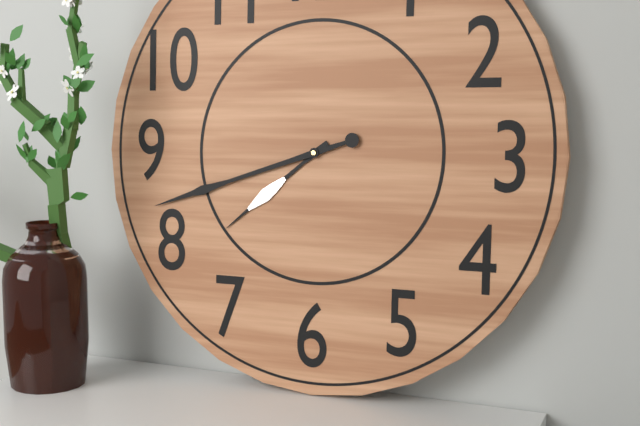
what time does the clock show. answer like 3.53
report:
7.42
